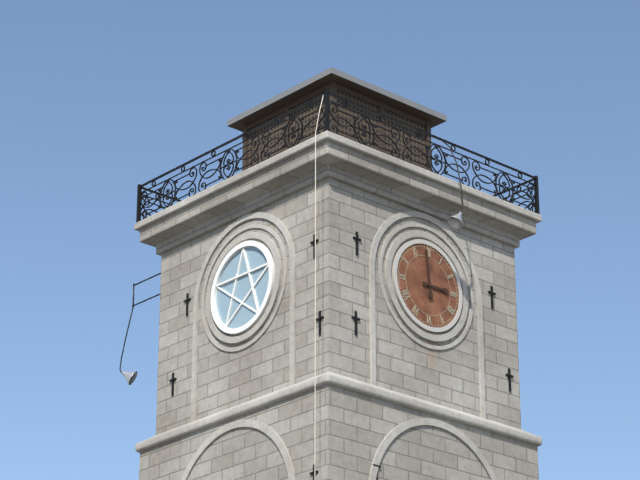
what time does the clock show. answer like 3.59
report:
2.59
